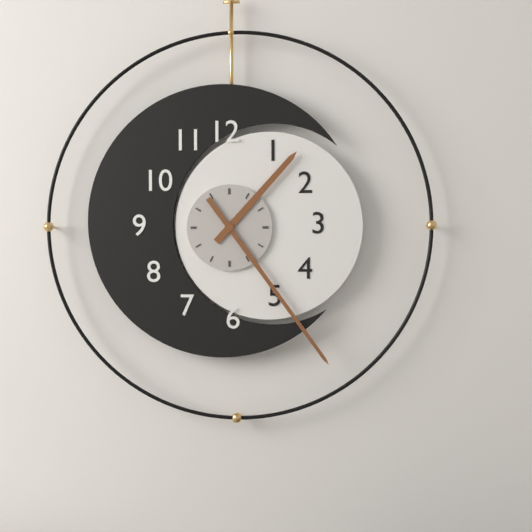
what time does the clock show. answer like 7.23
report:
1.24
